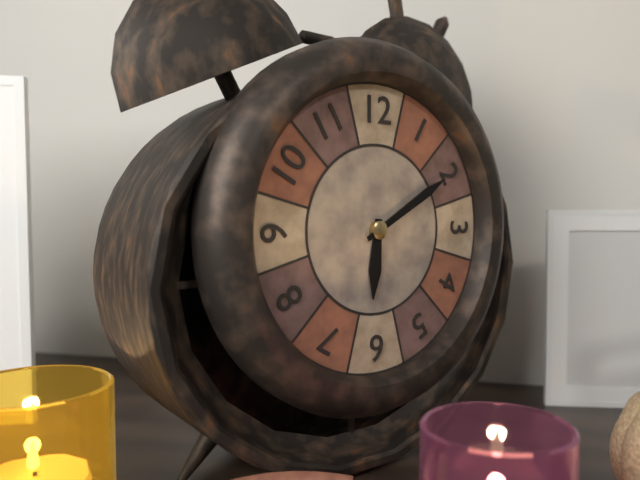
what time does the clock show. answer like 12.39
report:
6.10
